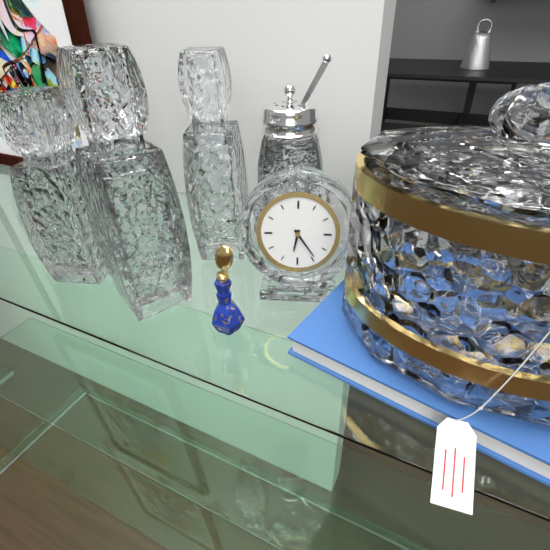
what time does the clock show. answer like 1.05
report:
6.24
